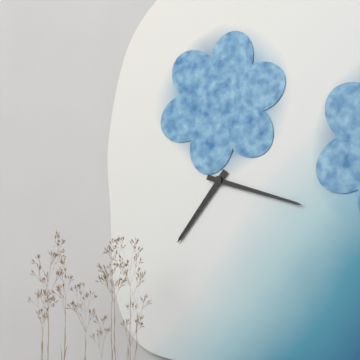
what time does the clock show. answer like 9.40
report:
7.18
